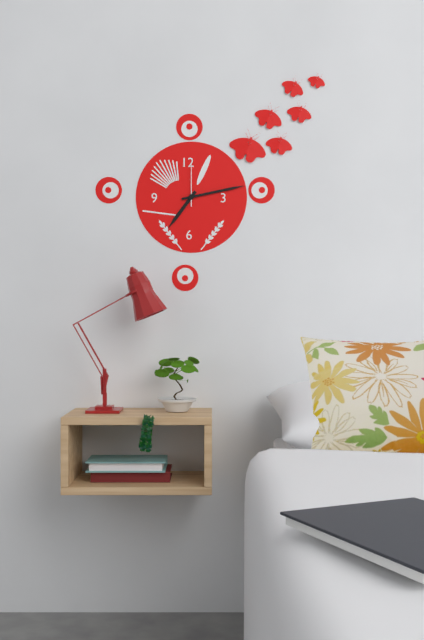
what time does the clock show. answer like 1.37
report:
7.13
